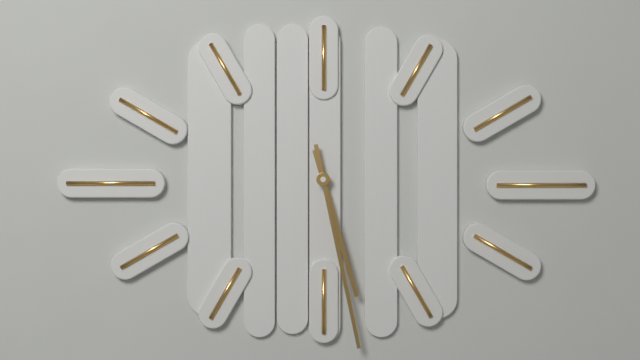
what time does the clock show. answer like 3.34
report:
5.28
